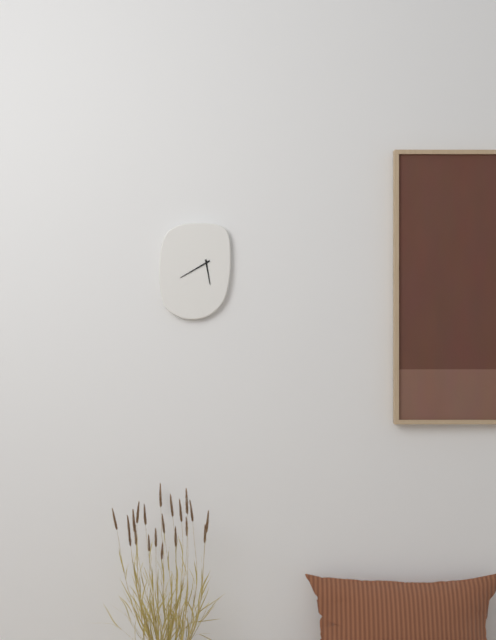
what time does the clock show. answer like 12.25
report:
5.40
